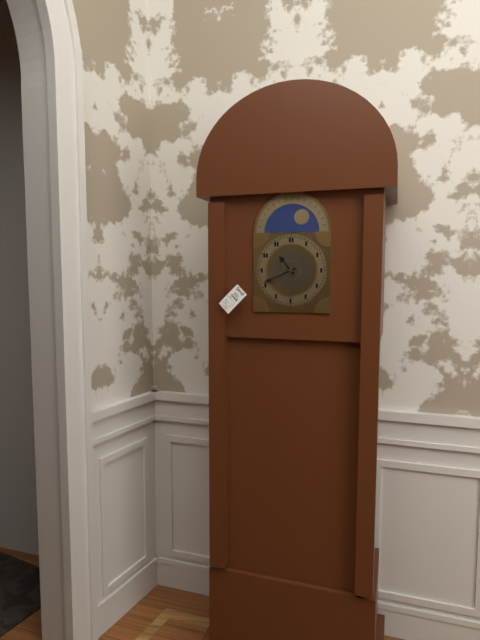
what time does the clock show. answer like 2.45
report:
10.41
